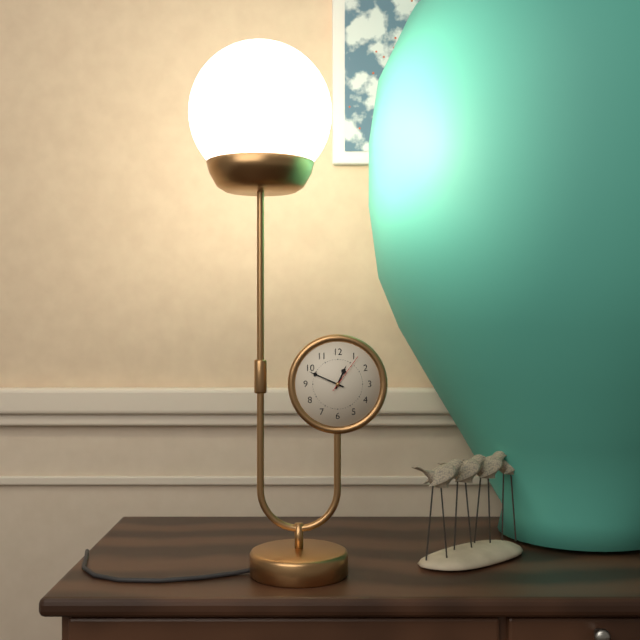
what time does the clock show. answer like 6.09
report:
12.49
